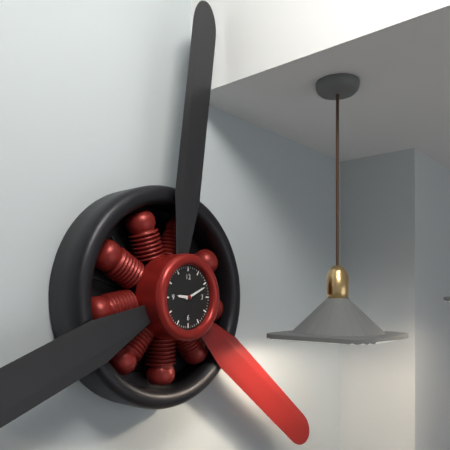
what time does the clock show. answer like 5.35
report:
9.11
